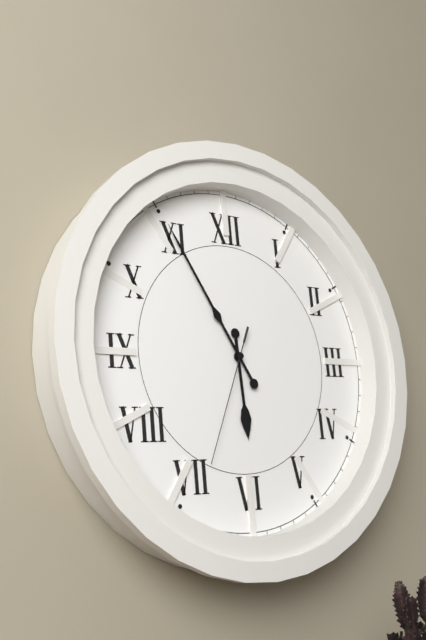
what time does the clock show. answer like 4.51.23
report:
5.55.34
